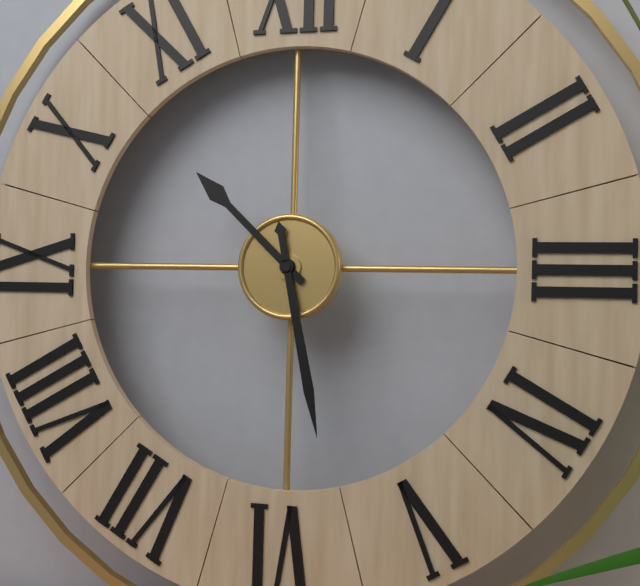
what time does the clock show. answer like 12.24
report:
10.28
